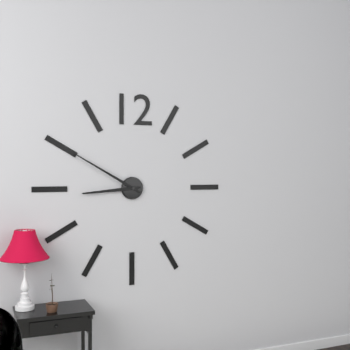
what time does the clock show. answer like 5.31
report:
8.50
